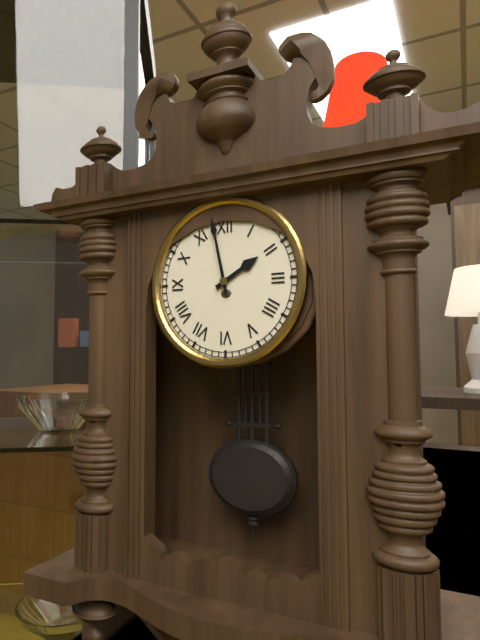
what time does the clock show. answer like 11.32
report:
1.58
